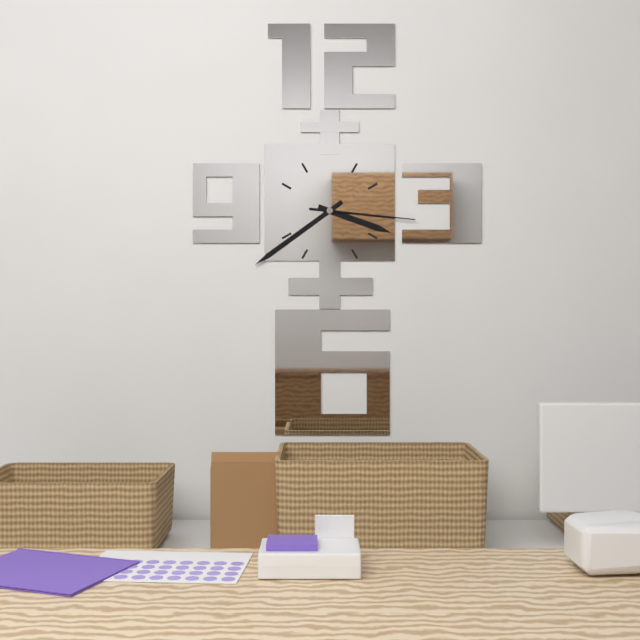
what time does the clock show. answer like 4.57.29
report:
3.39.16
